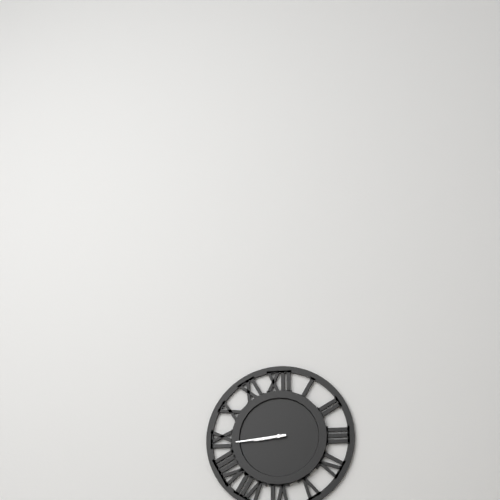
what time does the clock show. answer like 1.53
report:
8.44
